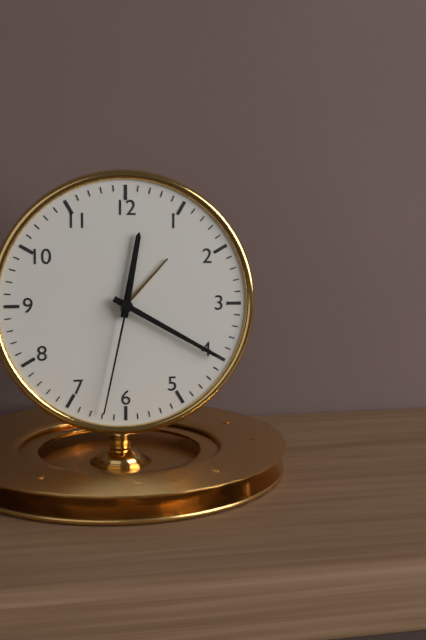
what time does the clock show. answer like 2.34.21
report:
12.20.32
